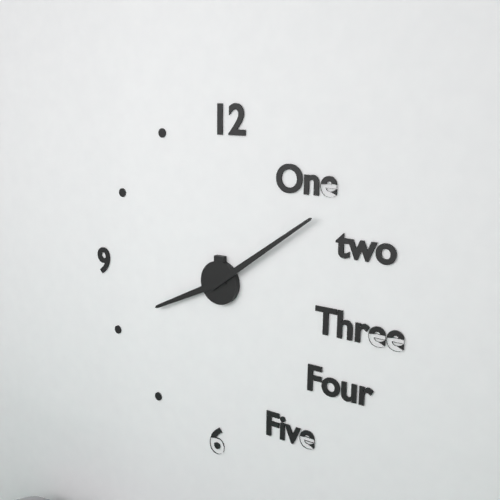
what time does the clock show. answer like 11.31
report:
8.09
